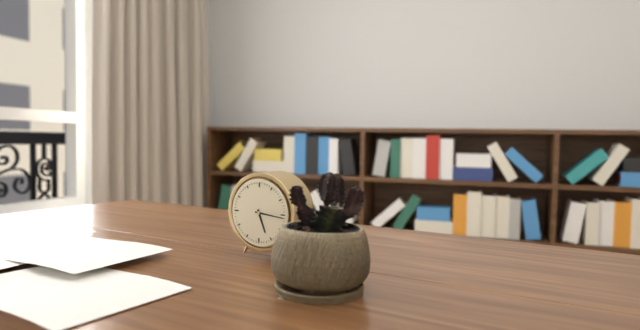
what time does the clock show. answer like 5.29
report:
5.16
